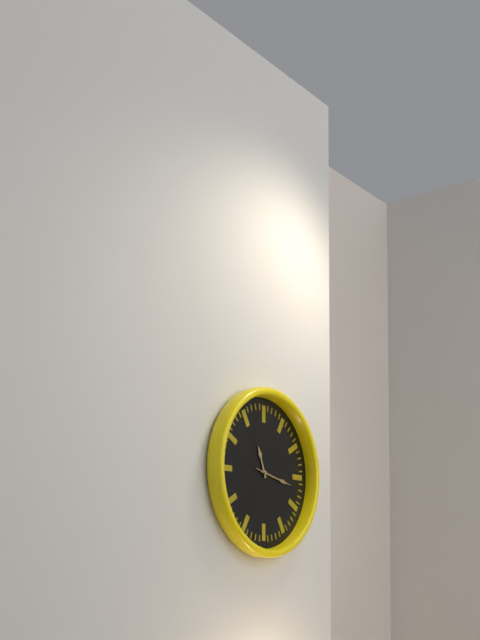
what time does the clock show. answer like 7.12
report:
11.17
